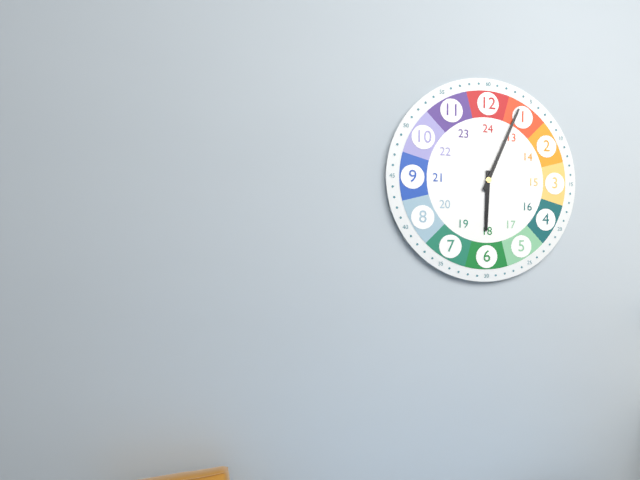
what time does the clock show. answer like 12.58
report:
6.04
